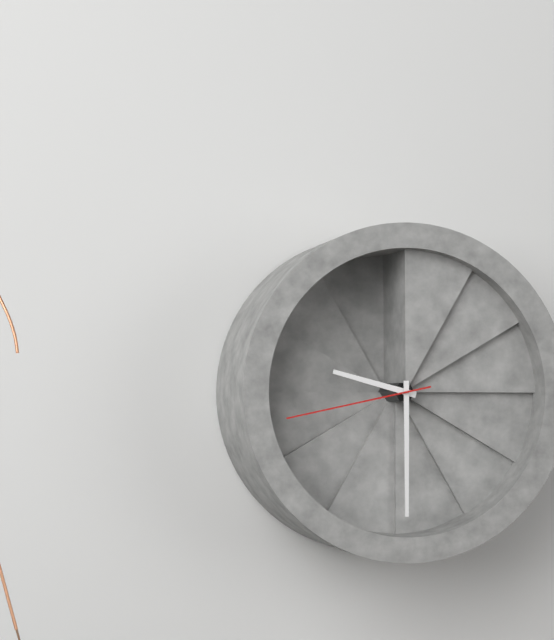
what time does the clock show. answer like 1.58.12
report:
9.30.43
